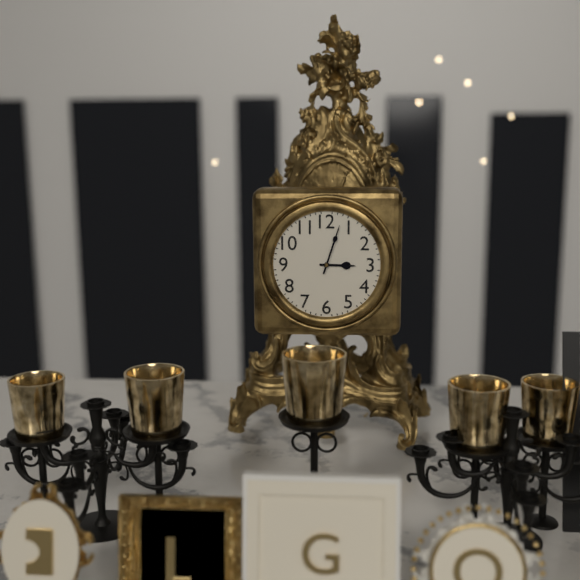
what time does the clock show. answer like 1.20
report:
3.03
